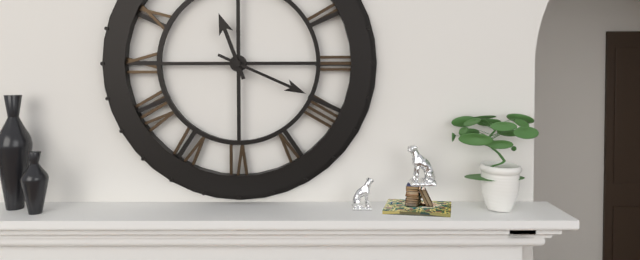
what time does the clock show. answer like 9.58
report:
11.19
